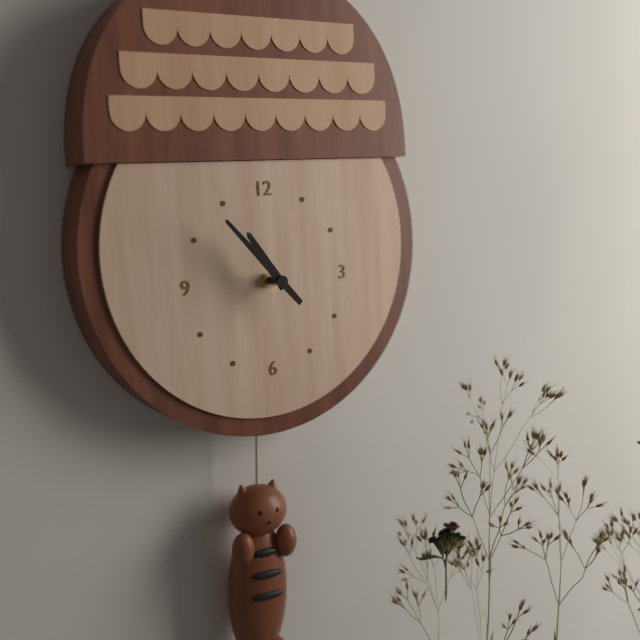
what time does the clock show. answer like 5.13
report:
10.53
